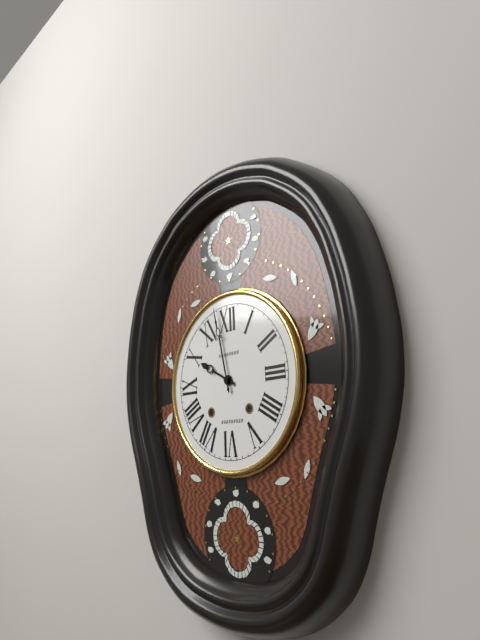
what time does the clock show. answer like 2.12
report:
9.58
